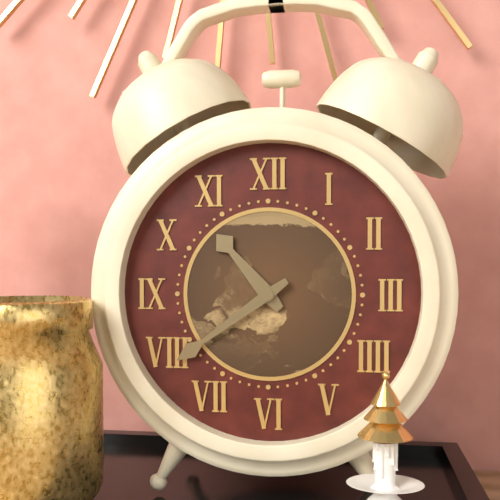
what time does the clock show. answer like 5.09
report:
10.39
